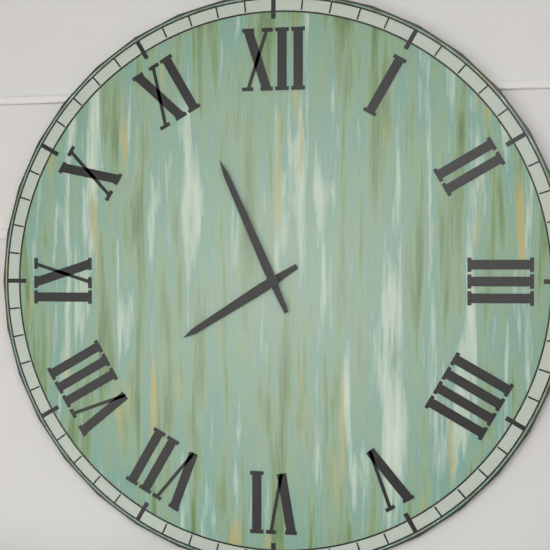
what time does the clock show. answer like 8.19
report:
7.56
